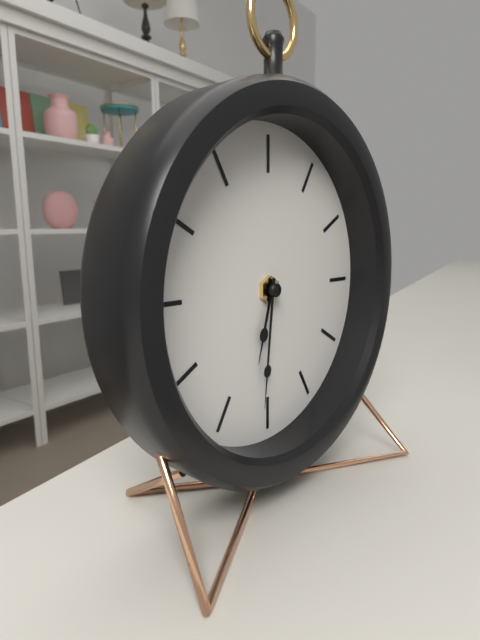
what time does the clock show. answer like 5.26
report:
6.31
